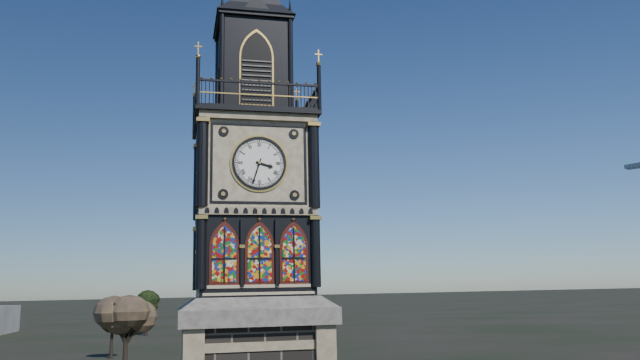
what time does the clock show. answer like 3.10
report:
3.33
